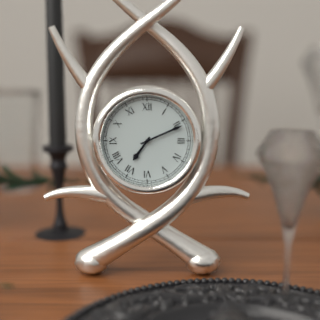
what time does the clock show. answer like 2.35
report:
7.11
